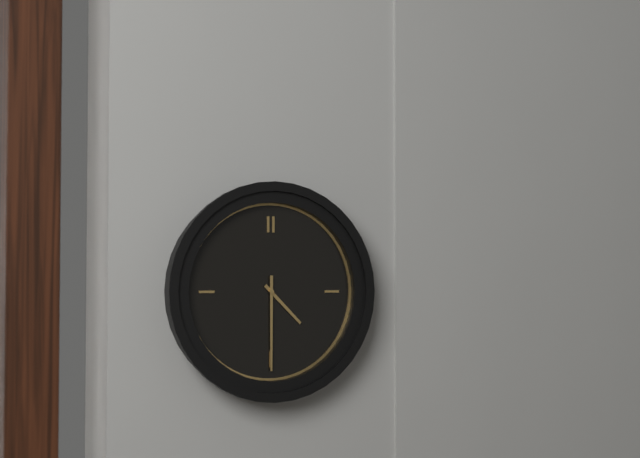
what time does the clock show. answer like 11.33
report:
4.30
